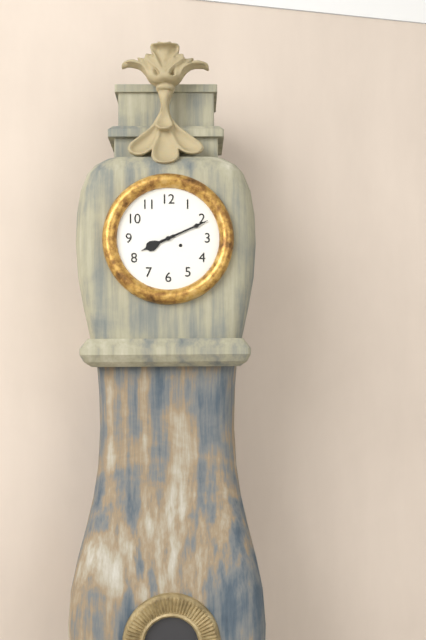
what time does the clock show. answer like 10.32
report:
8.11
